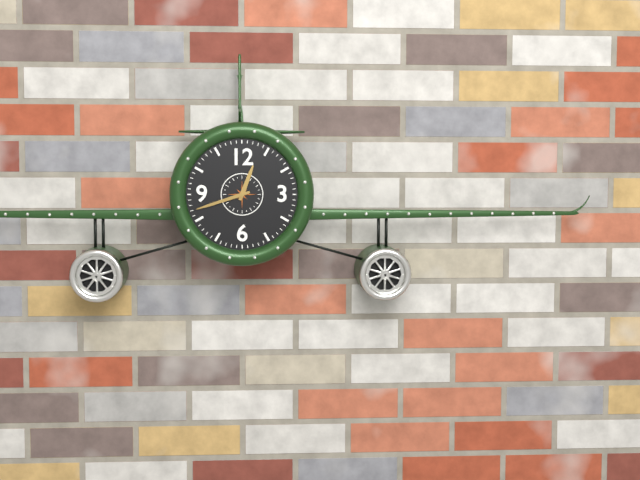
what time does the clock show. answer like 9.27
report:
12.42
